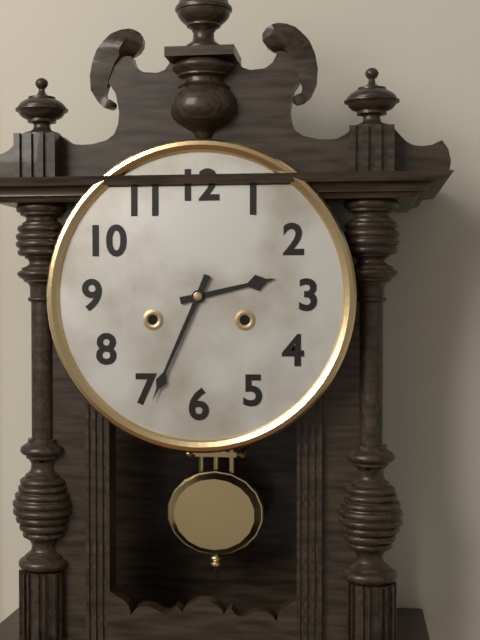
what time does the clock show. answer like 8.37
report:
2.34
